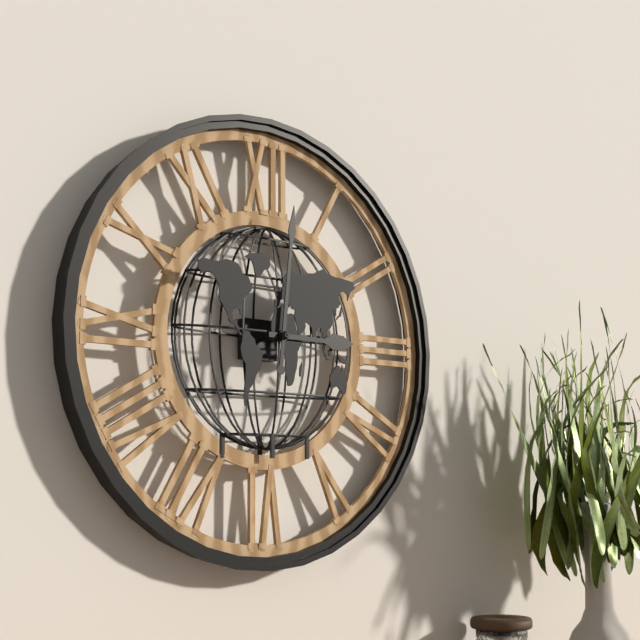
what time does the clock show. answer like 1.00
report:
3.01
